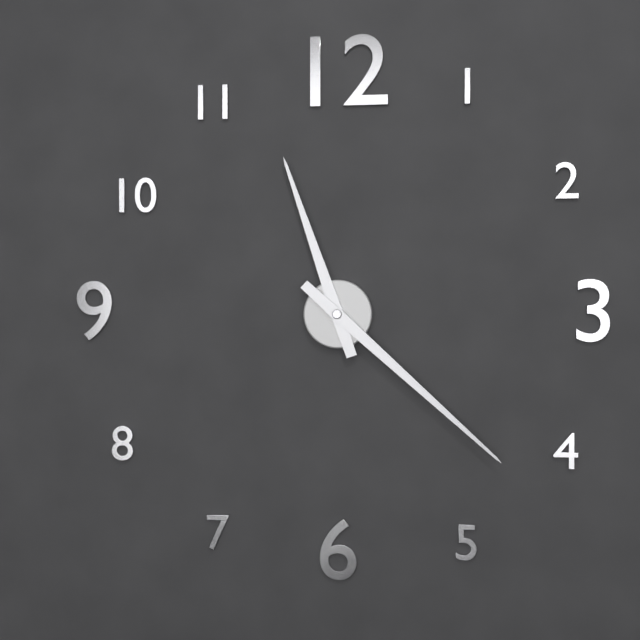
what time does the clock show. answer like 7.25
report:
11.22
